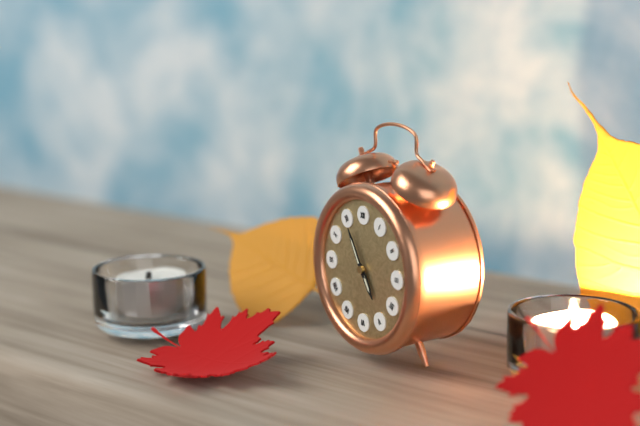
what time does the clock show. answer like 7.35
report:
4.55
